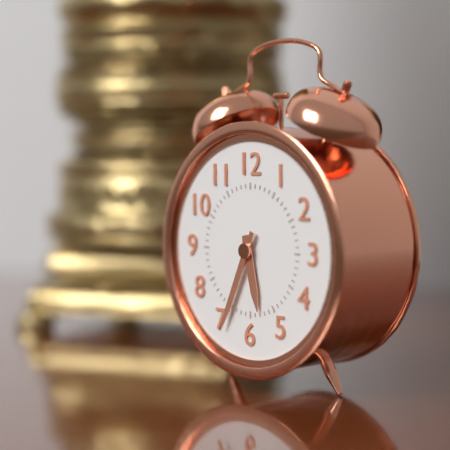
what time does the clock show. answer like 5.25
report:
5.34
